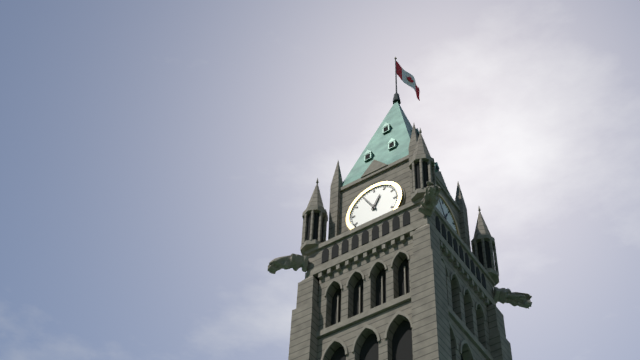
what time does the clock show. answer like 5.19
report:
12.55
